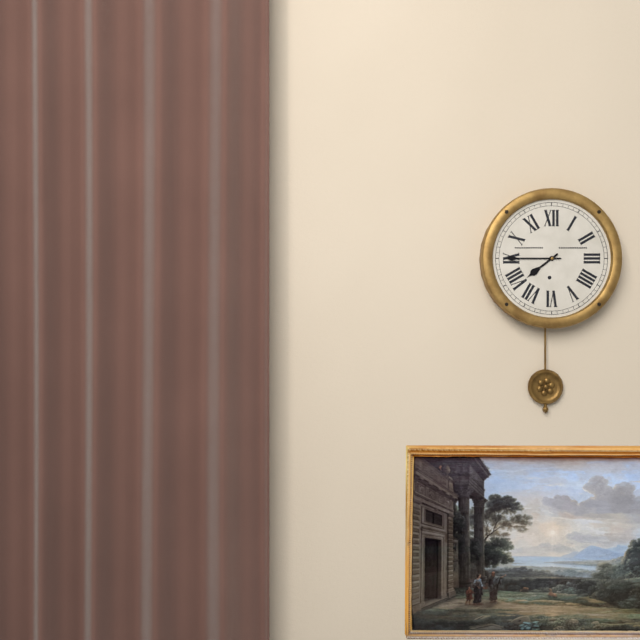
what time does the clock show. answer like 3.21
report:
7.45
